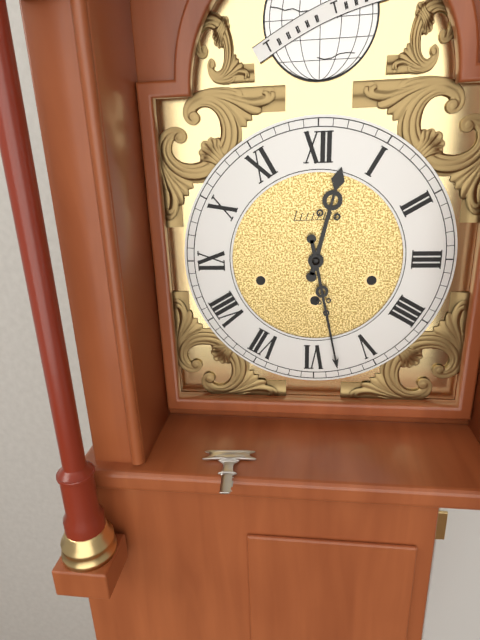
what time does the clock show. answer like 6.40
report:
12.28
